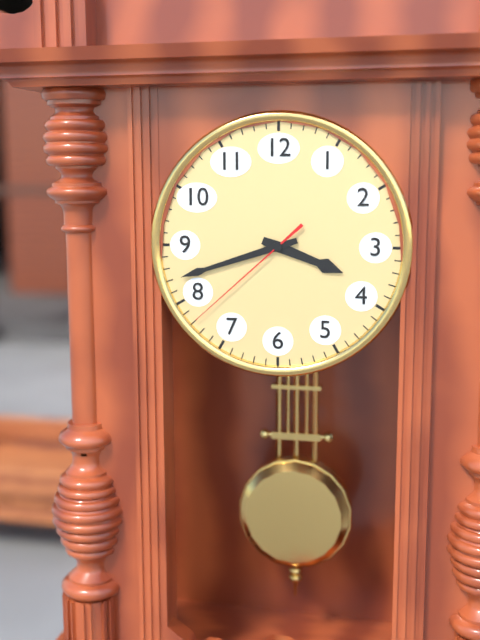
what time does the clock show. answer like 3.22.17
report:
3.42.38
